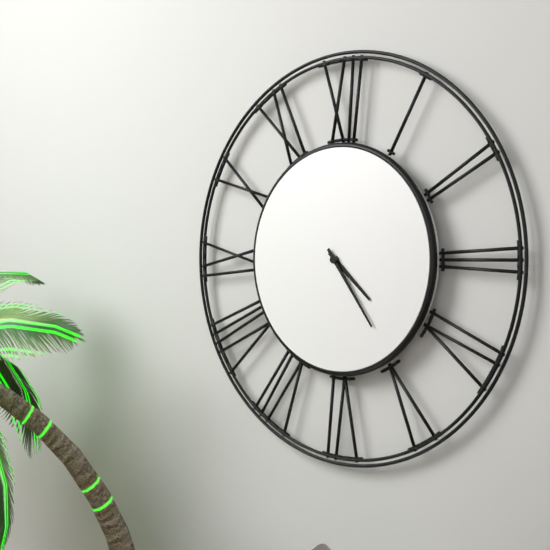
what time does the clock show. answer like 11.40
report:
4.24
